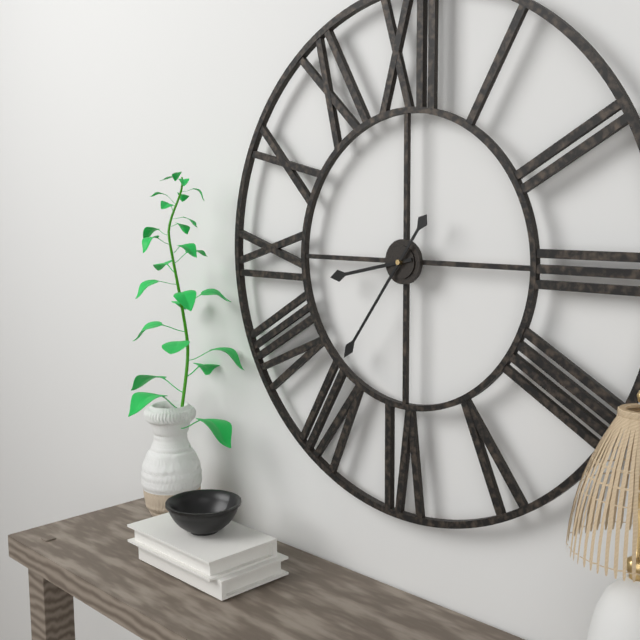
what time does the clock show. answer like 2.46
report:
8.36
